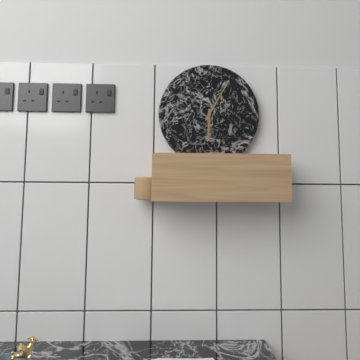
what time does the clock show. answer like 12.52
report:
6.05
